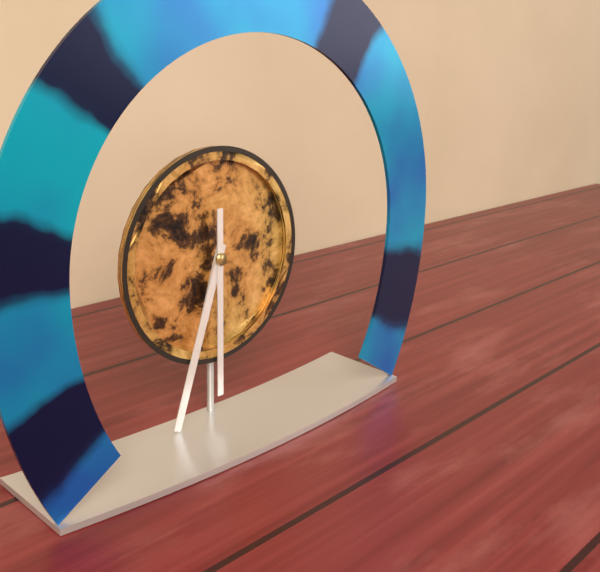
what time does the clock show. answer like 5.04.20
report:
6.33.30
